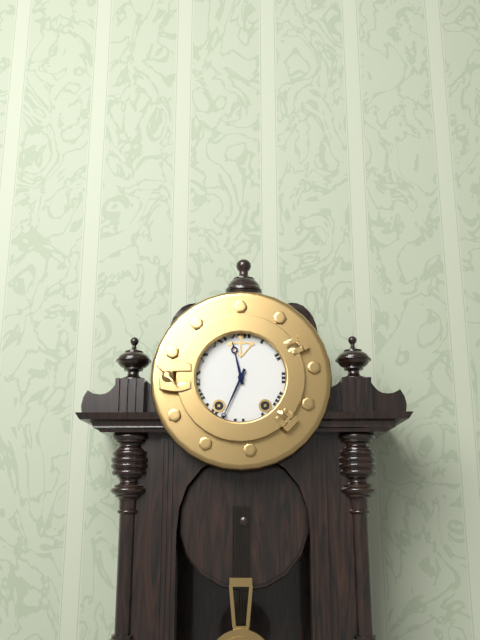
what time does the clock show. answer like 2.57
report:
11.34
